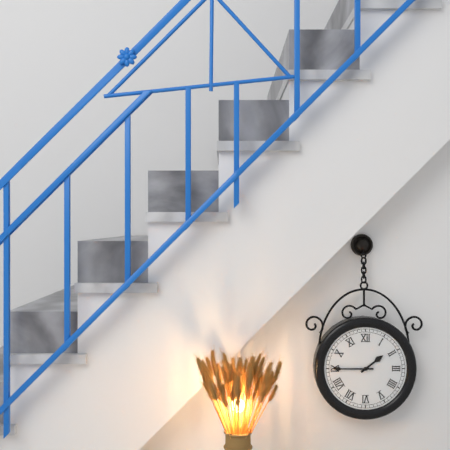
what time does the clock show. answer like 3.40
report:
1.45
